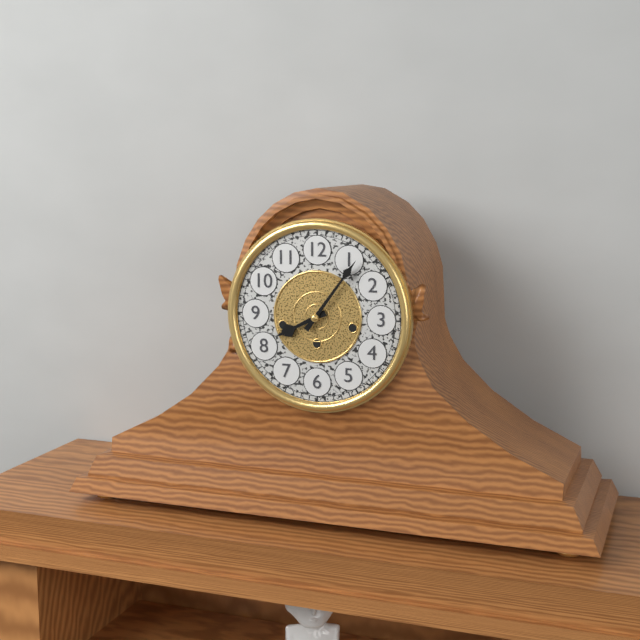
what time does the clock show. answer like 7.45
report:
8.06
